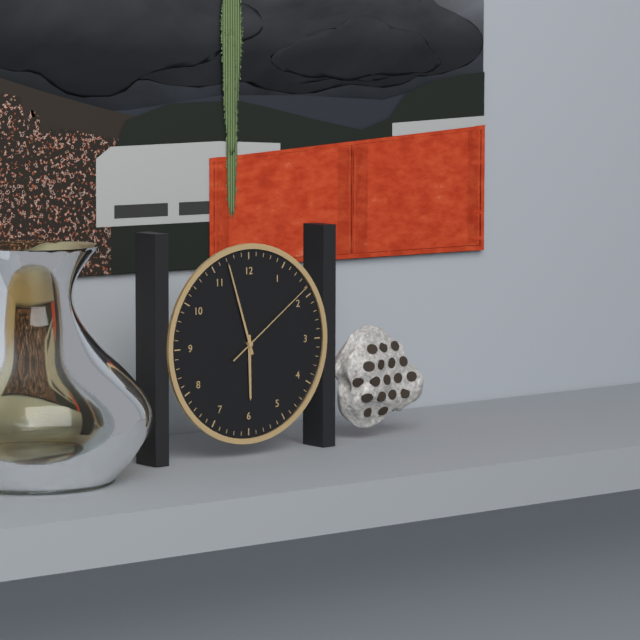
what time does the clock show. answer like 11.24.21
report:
5.57.09
